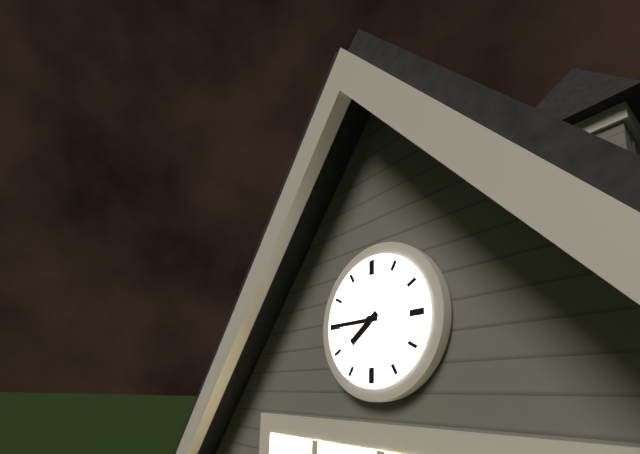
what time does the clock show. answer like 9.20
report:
7.45
